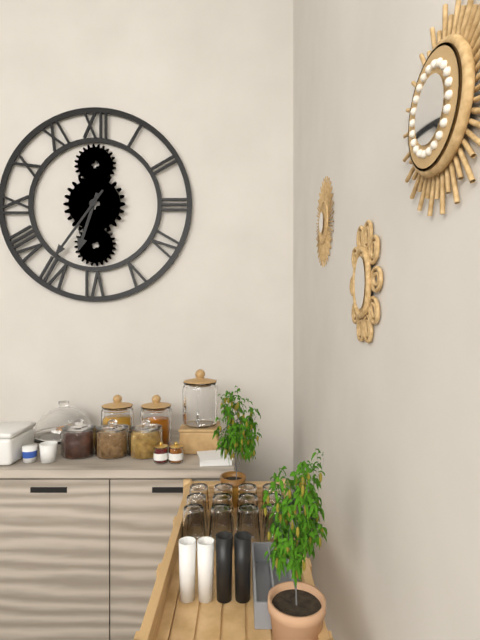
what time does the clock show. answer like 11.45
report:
6.36
